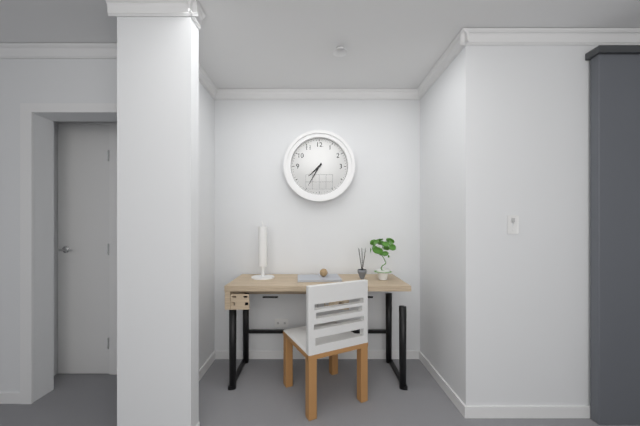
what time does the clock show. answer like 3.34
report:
7.35
